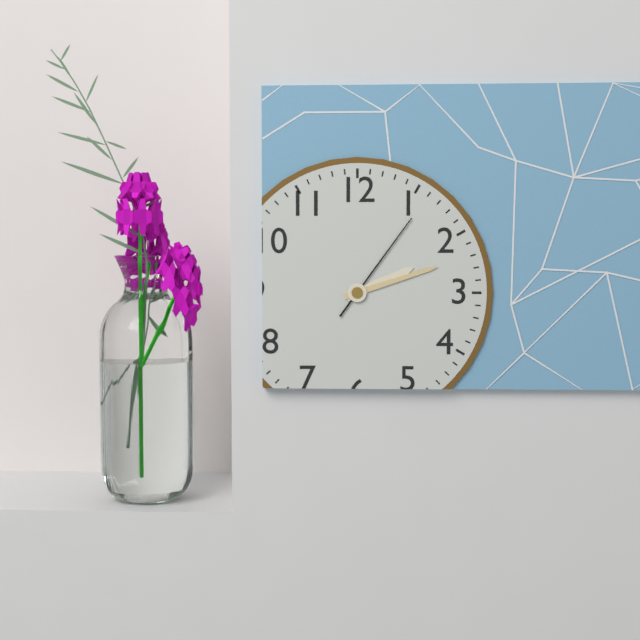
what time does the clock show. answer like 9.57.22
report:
2.12.06
